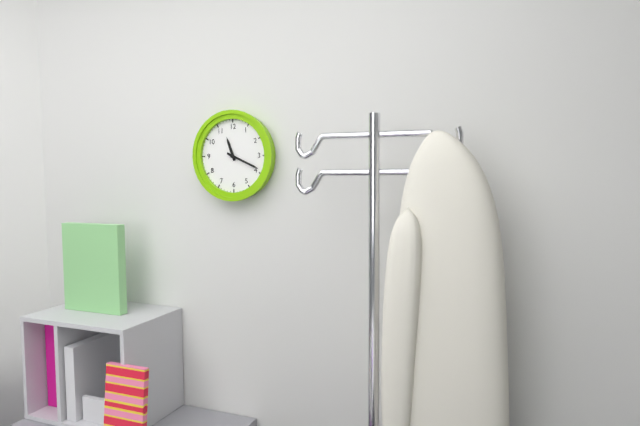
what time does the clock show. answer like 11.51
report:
11.19
